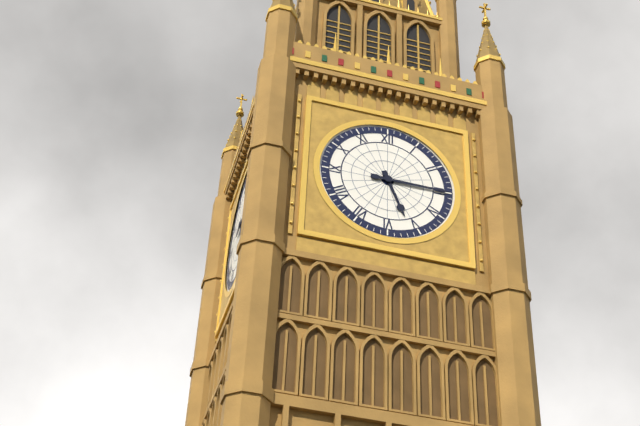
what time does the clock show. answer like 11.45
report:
5.15
